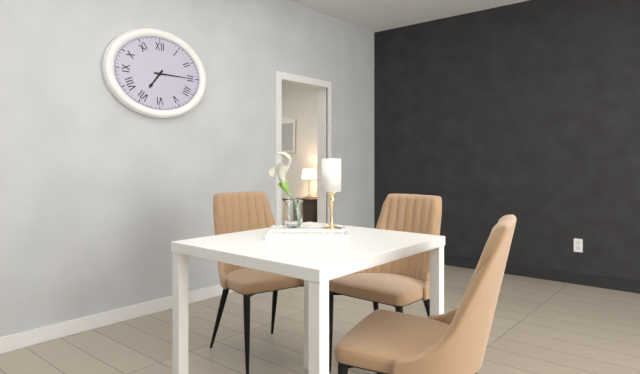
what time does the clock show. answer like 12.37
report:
7.15
